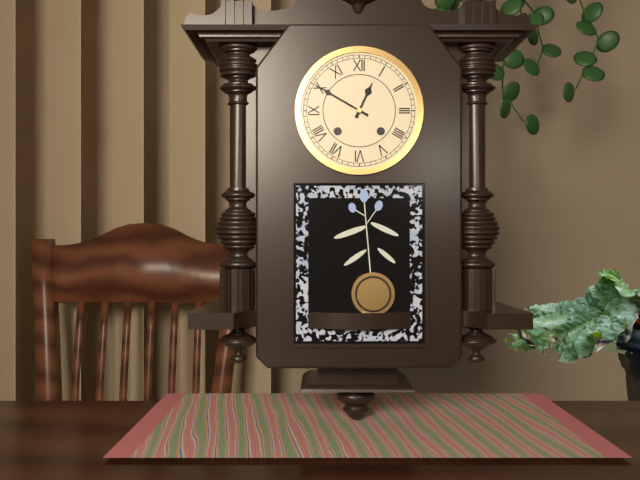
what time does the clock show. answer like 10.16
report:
12.50
